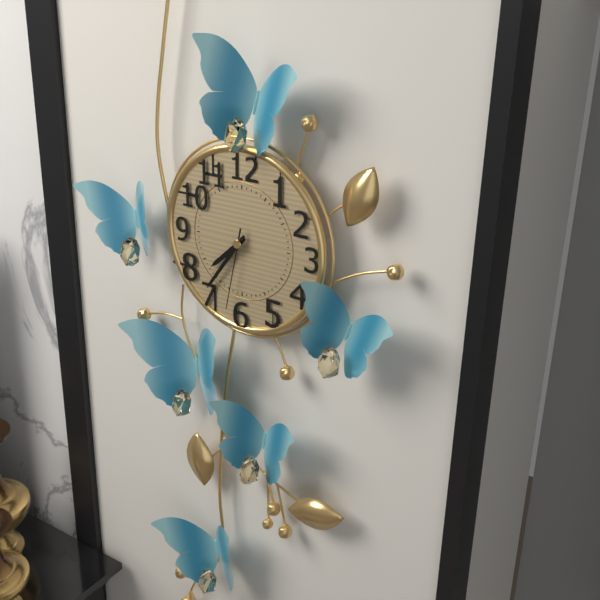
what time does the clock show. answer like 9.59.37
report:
7.36.32
